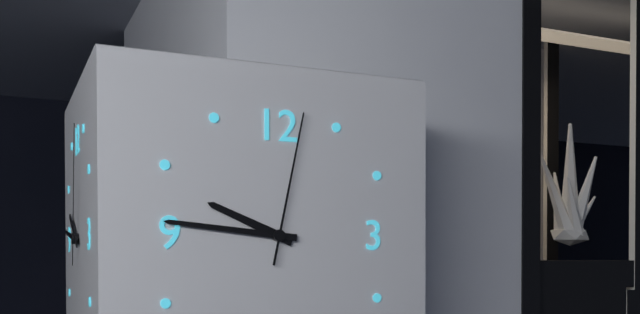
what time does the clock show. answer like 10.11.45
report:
9.46.02
